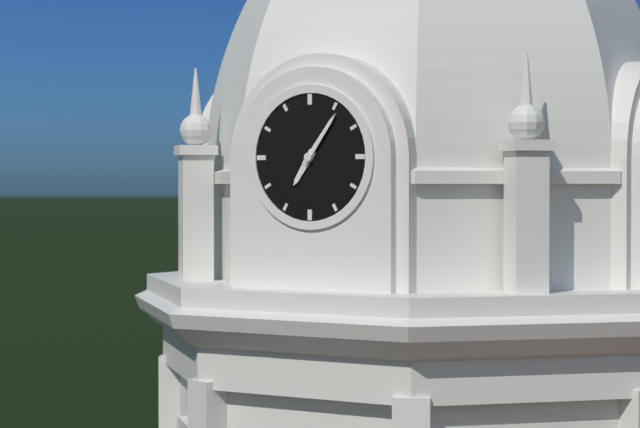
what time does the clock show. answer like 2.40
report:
7.06
